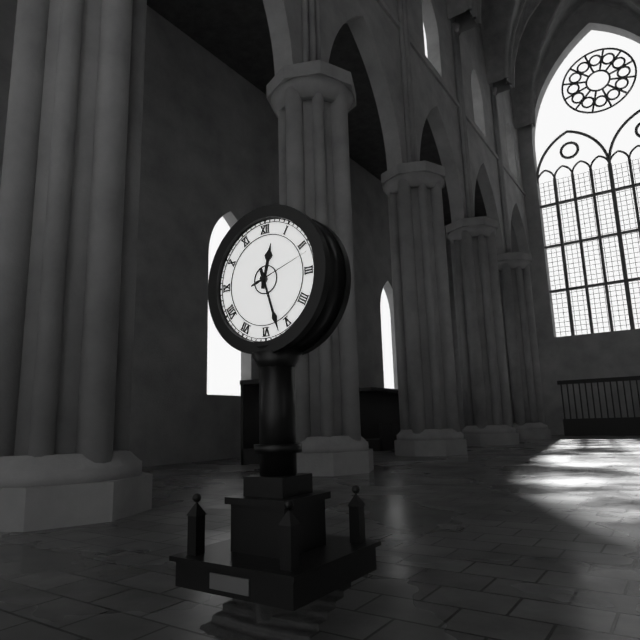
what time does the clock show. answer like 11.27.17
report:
12.27.12
